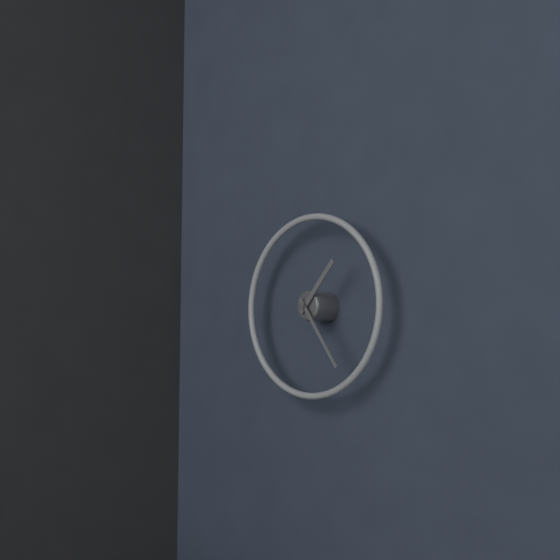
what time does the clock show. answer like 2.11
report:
1.24
